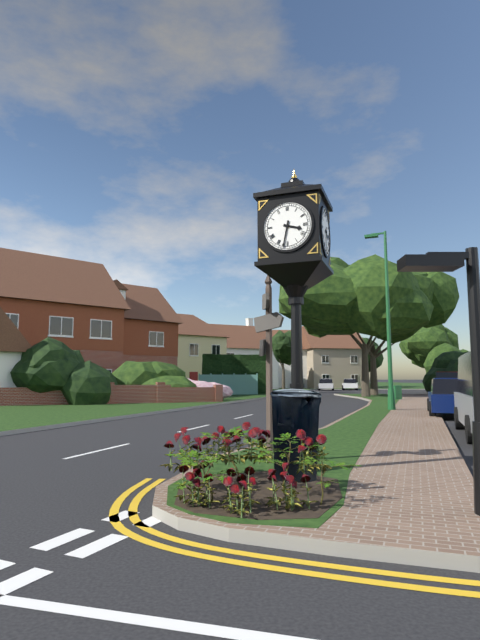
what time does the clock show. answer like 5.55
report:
3.32
